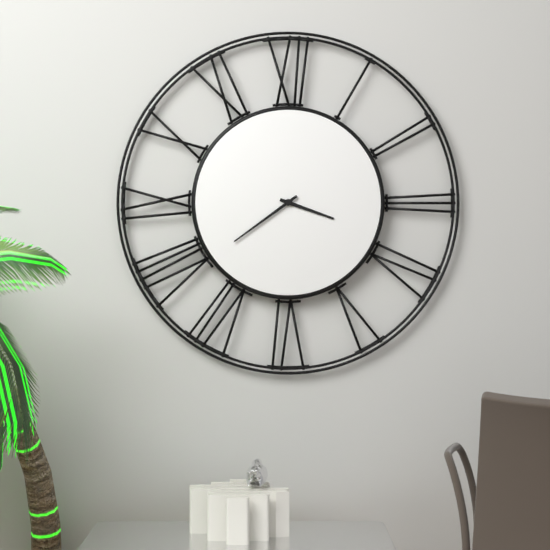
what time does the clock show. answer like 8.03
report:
3.39
